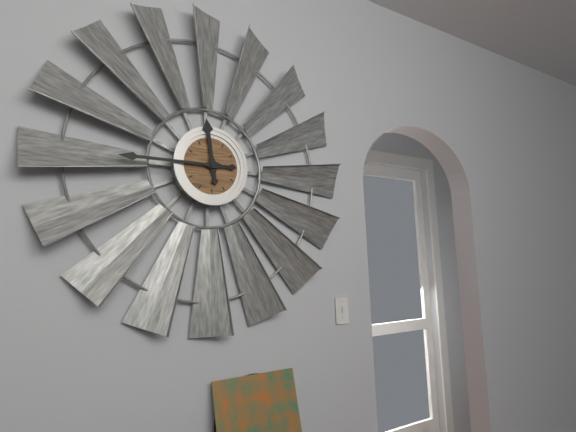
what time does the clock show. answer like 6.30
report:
11.45
